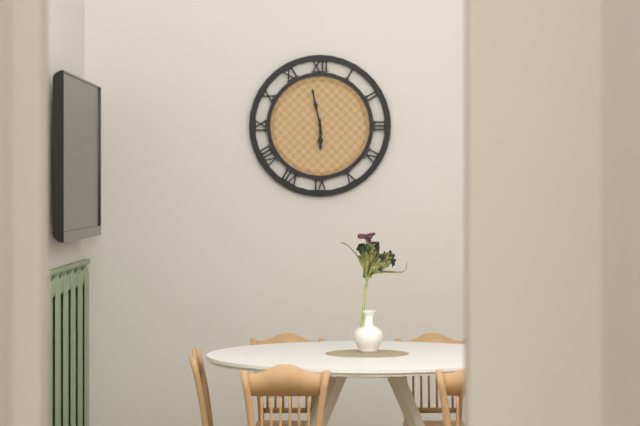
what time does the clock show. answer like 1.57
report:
5.58
